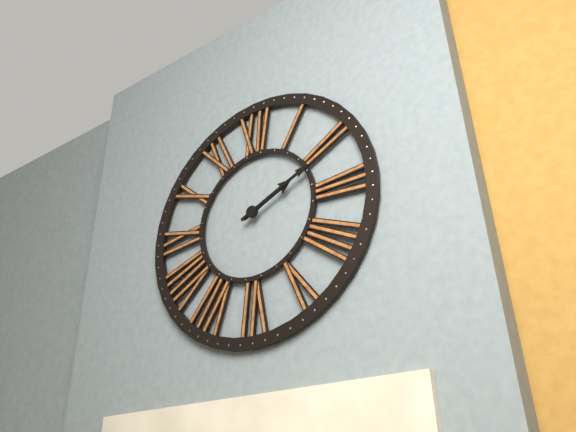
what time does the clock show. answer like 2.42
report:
2.11
